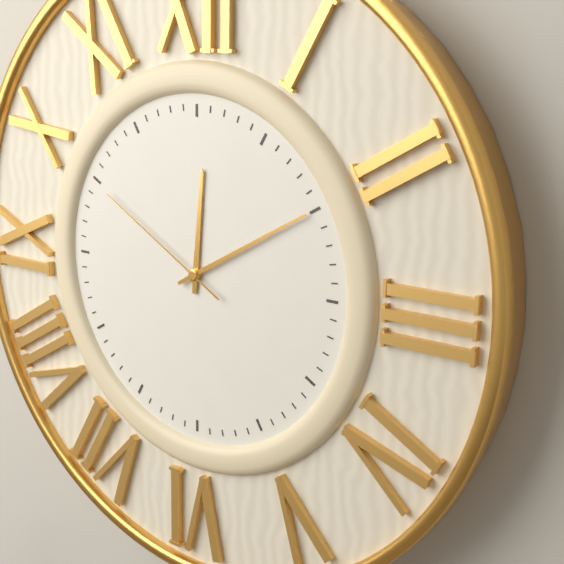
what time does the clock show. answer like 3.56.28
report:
12.10.50
